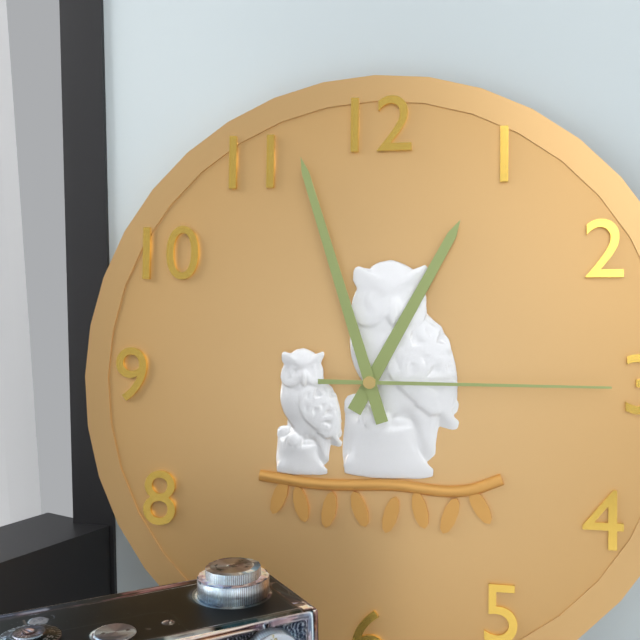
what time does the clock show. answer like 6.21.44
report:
12.57.15
